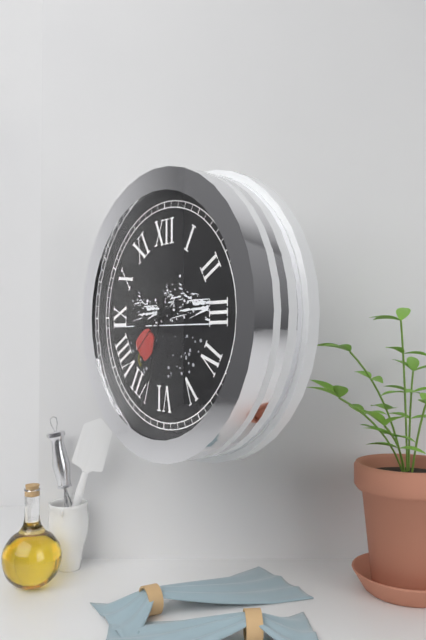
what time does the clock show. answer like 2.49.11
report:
8.33.38
